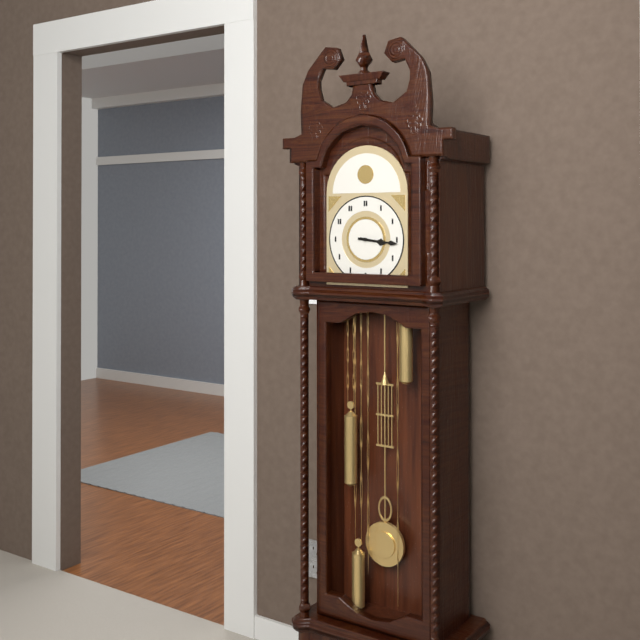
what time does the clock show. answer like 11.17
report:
3.16
